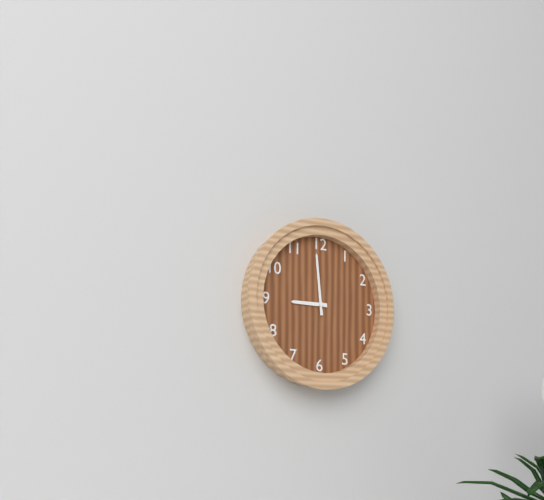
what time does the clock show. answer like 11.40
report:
8.59
